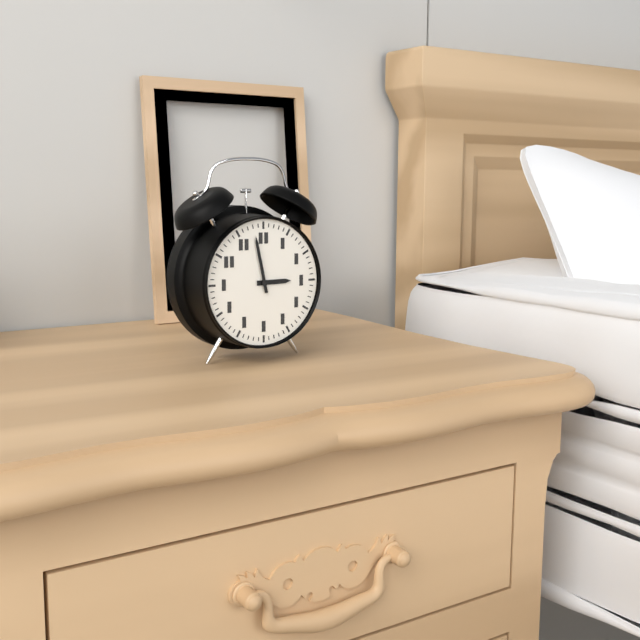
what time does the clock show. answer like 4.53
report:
2.58
